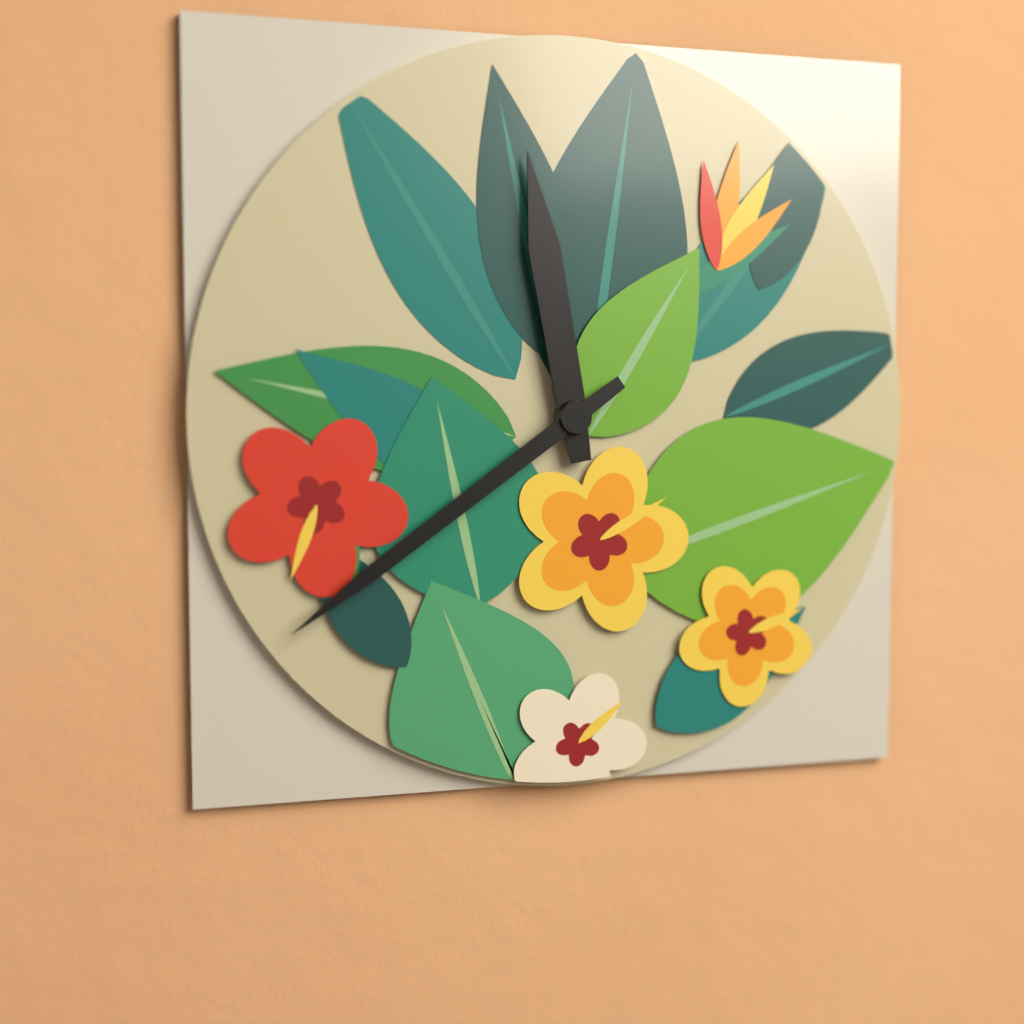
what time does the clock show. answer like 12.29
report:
11.39
